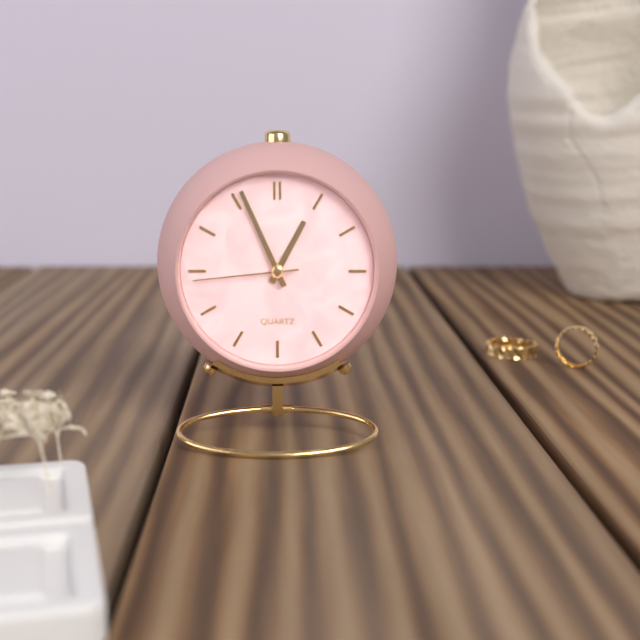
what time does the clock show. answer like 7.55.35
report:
12.56.44
